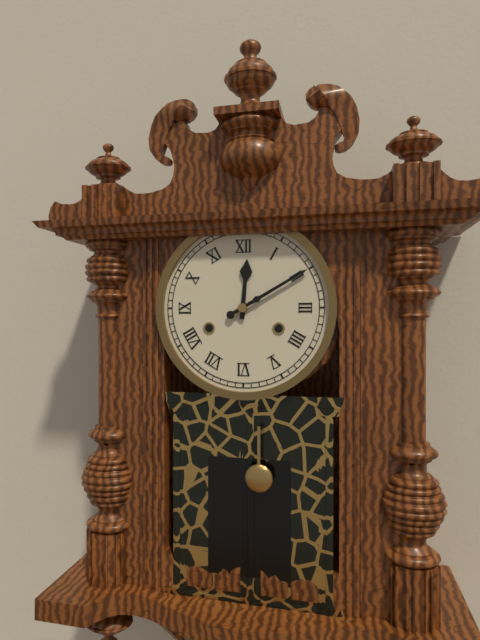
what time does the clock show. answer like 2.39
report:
12.10
